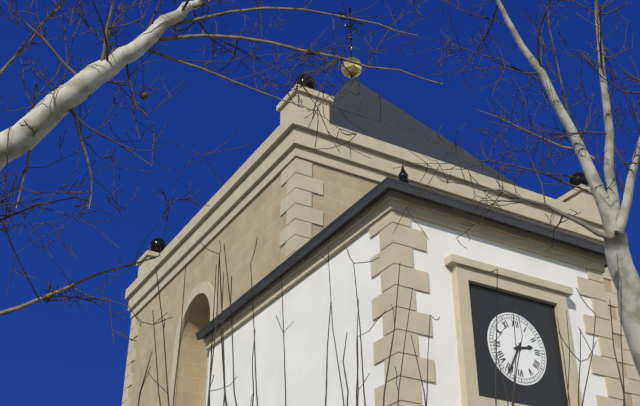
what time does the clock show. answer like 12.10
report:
2.35
